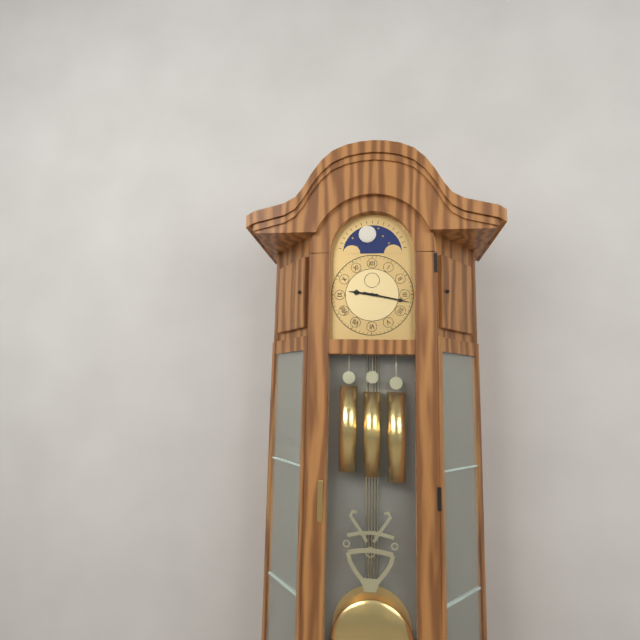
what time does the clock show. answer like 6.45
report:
9.17
